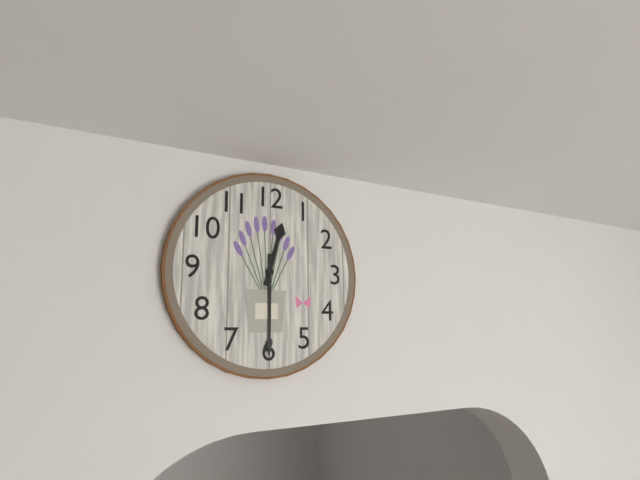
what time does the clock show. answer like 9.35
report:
12.30
